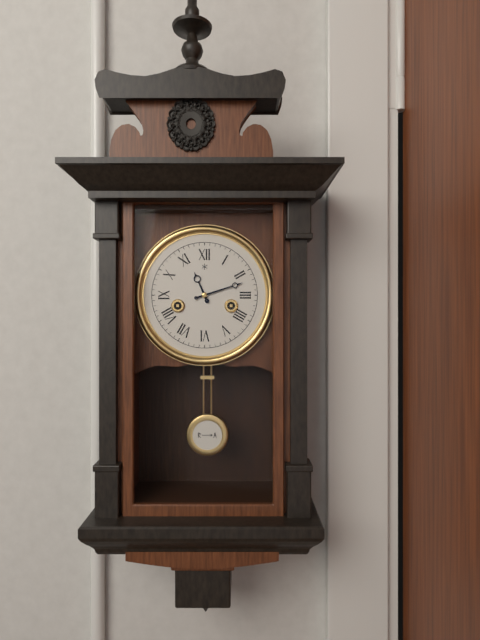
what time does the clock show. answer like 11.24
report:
11.12
